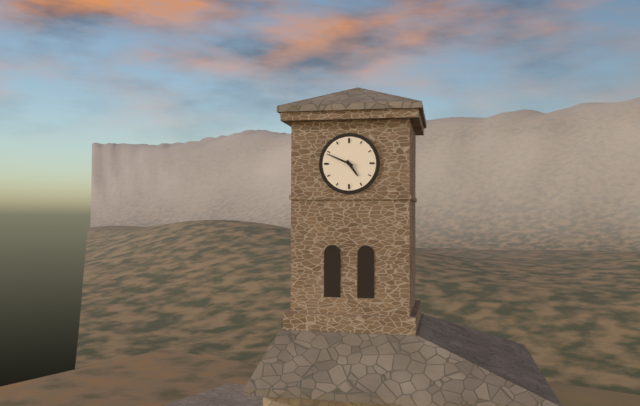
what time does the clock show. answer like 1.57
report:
4.49
